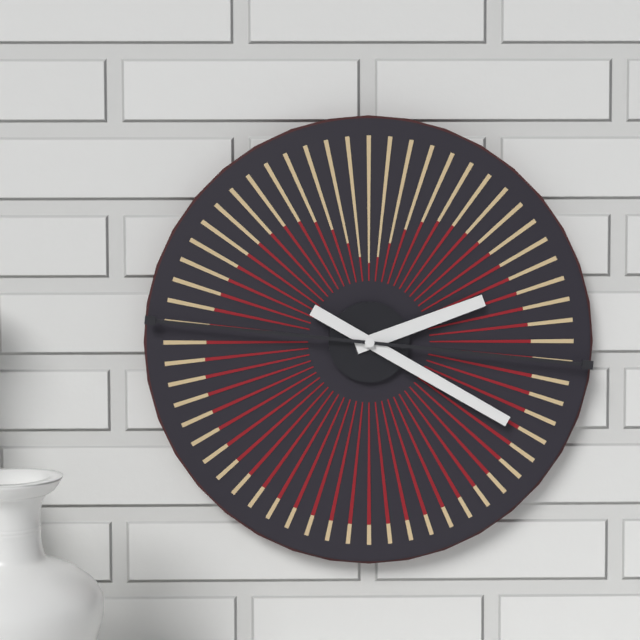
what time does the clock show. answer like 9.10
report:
2.20
